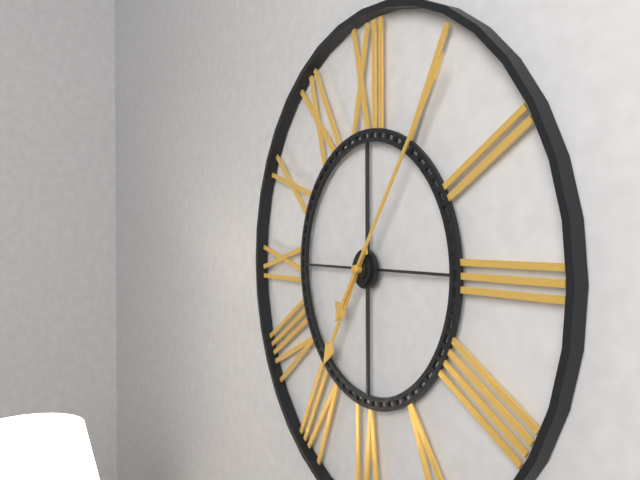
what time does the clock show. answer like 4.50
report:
7.06
